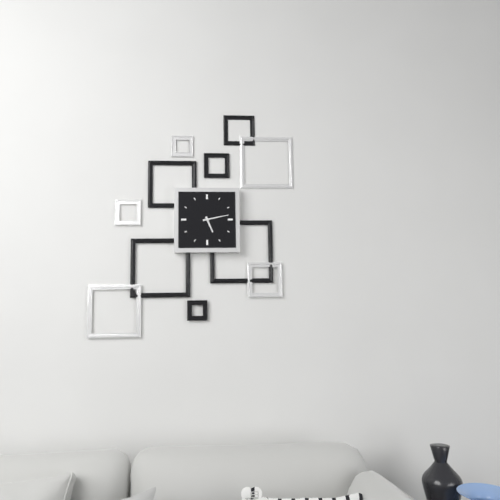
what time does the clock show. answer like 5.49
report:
5.13
